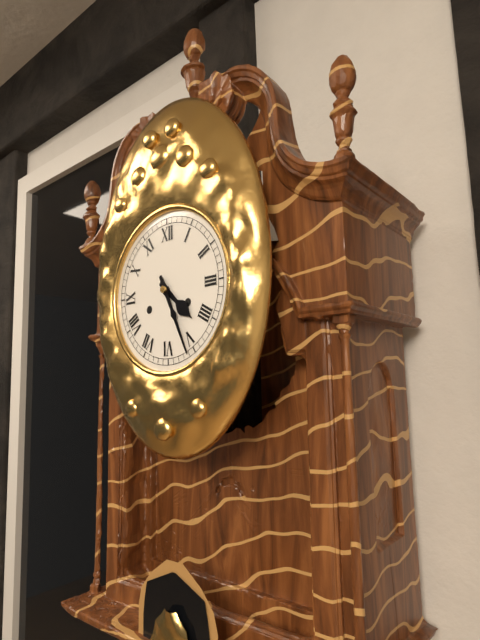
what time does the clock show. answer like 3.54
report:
4.26
